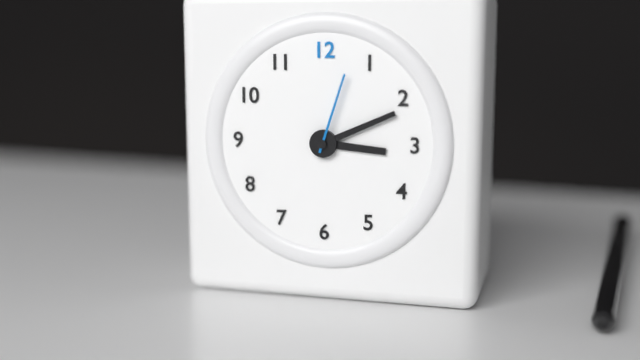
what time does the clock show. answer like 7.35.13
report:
3.11.03
